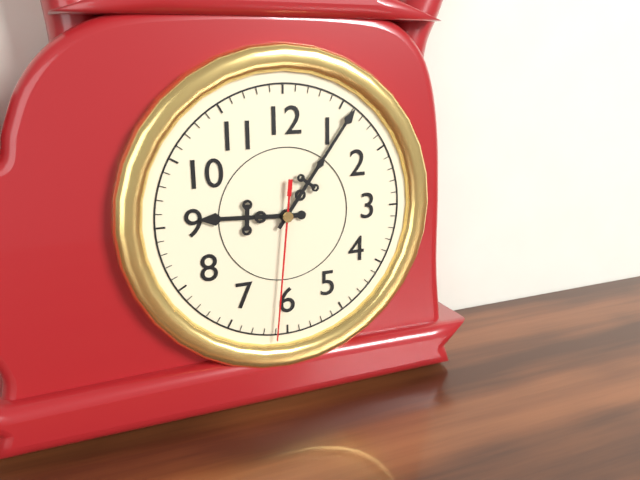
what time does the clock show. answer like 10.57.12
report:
9.06.31
